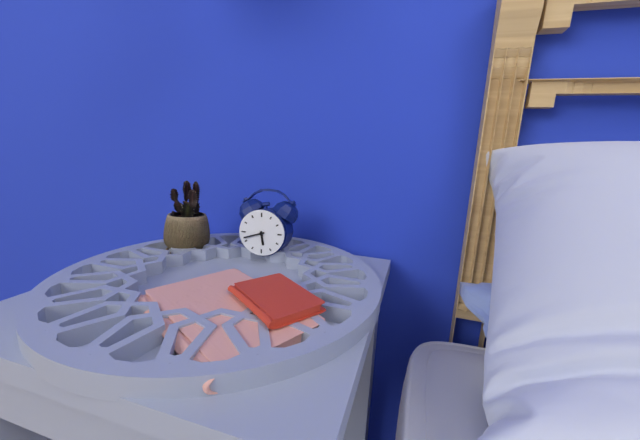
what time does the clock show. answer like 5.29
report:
5.42
